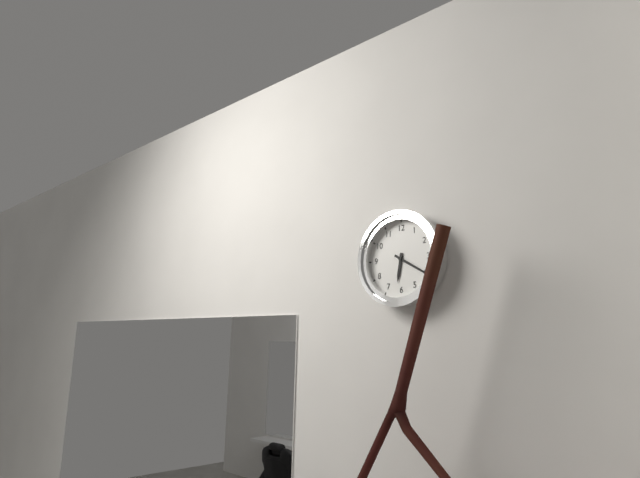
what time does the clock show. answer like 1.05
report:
6.20
